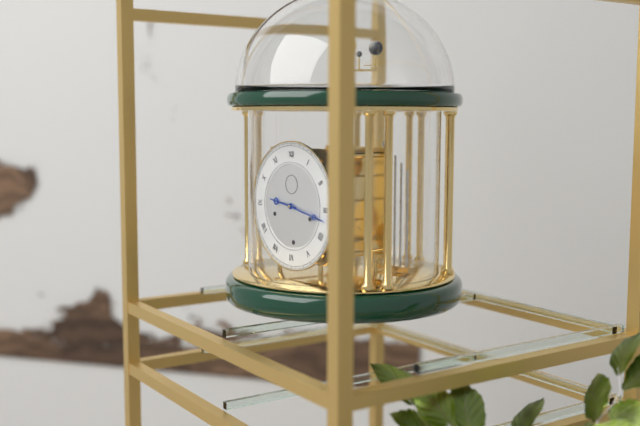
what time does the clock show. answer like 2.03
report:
9.17
